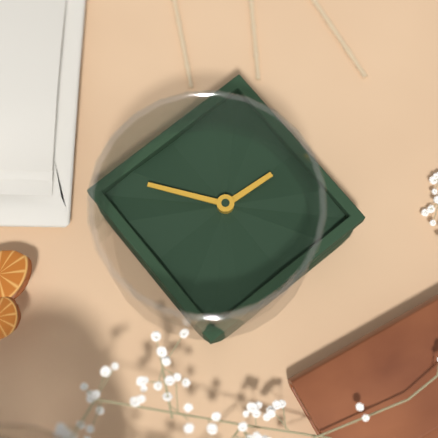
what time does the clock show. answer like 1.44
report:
6.09
